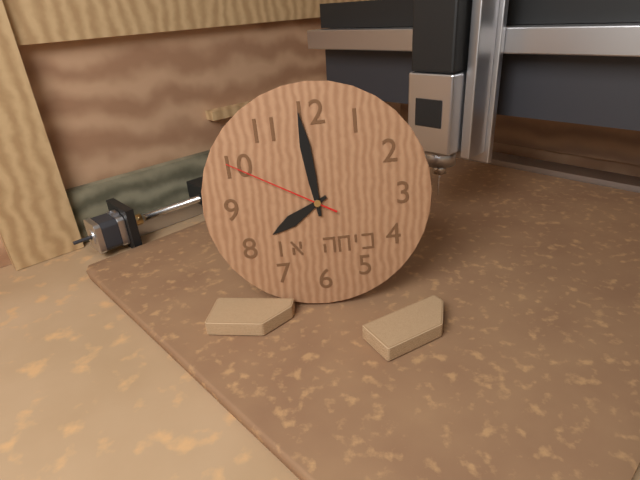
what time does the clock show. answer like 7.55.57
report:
7.59.50
